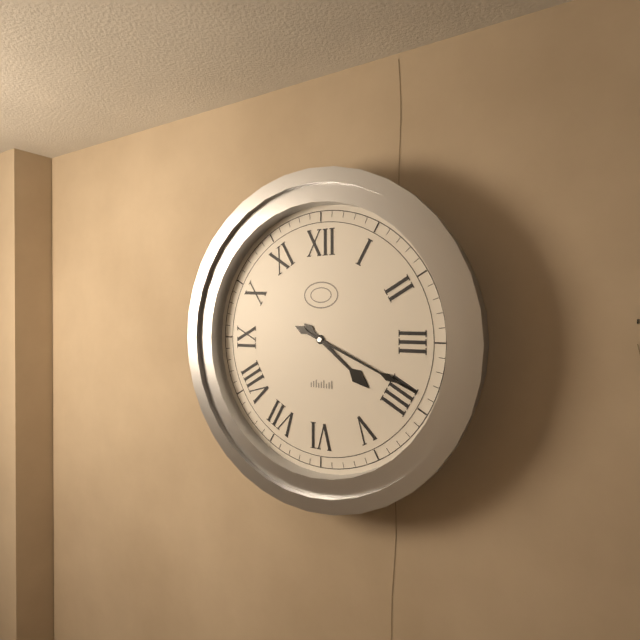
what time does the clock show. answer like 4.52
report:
4.19
